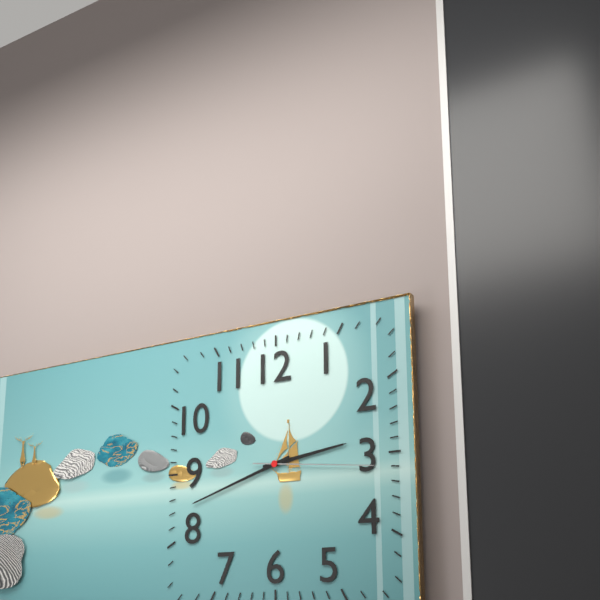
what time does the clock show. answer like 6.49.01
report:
2.42.16
